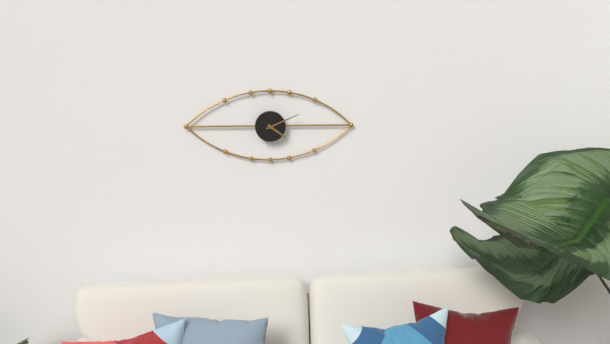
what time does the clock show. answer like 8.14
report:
4.11
